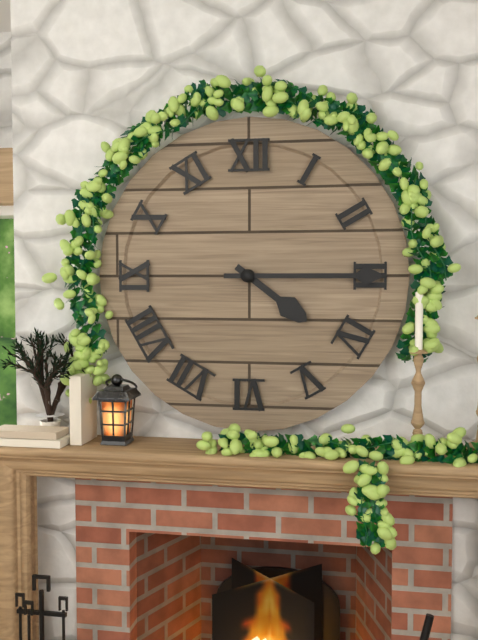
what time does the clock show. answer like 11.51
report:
4.15
